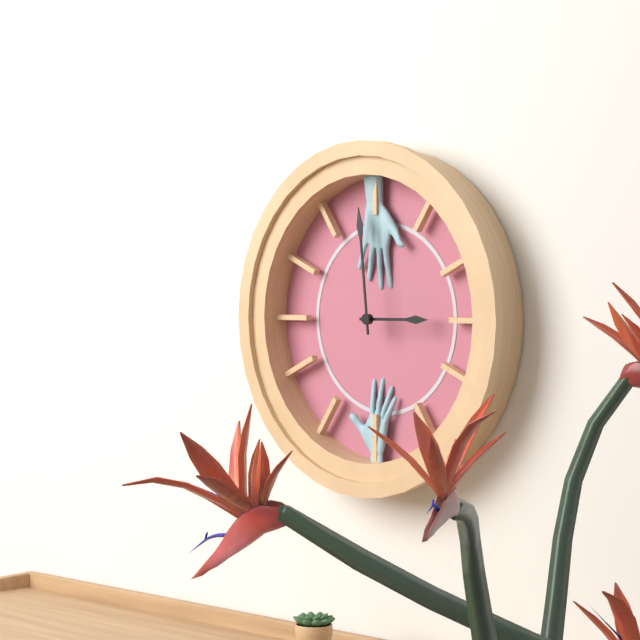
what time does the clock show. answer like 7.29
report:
2.59
